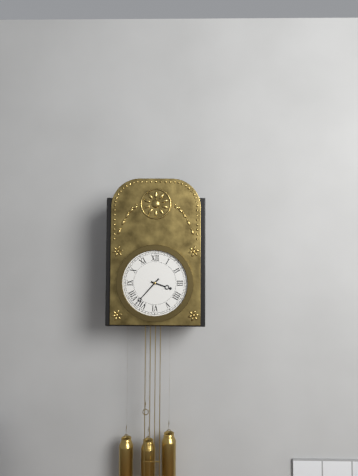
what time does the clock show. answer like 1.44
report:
3.37
